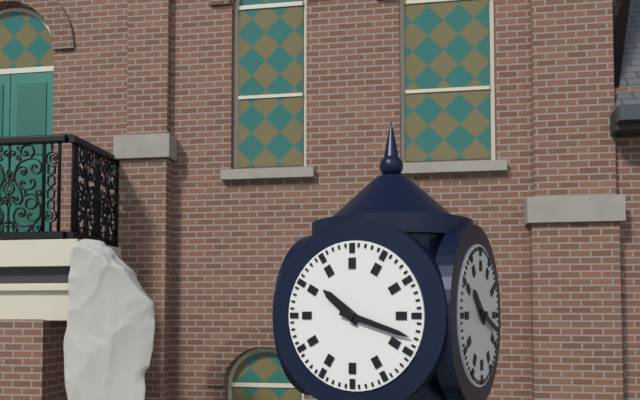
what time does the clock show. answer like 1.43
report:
10.18
